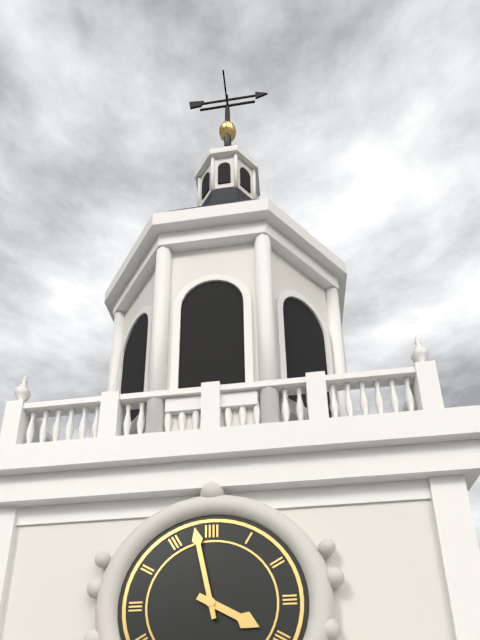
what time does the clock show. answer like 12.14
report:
3.58
